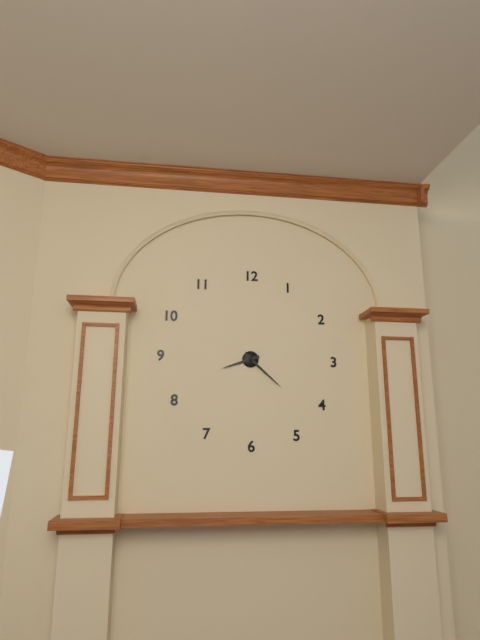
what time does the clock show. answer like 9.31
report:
8.22
